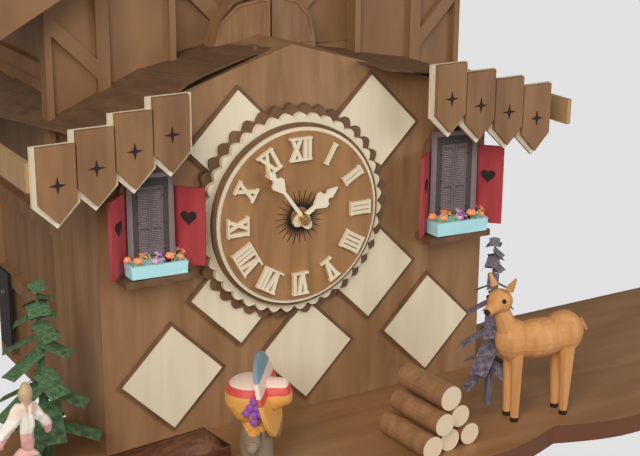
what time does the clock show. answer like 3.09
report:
1.54
